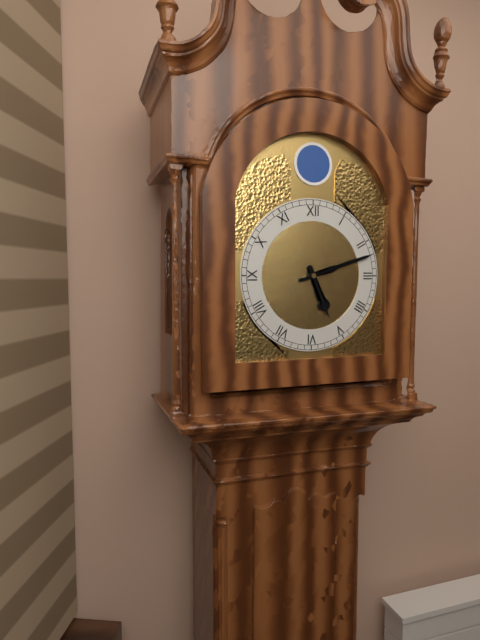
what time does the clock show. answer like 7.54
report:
5.12
